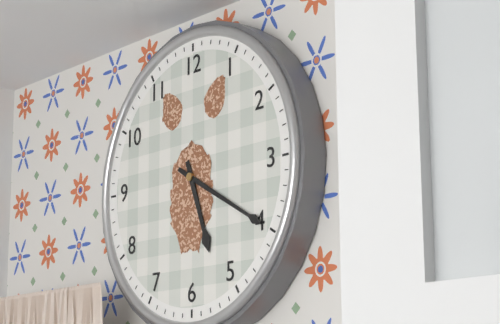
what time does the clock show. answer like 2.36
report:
5.20
